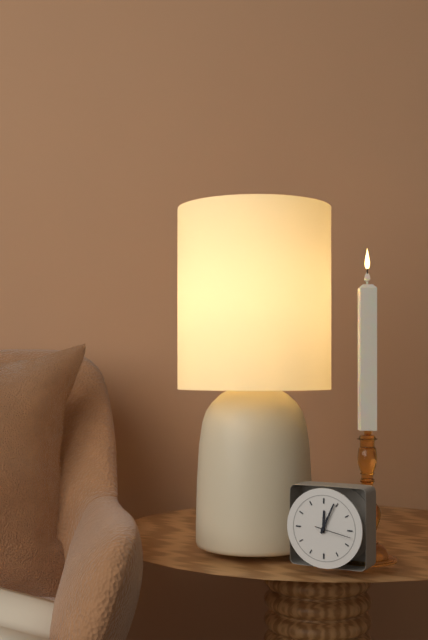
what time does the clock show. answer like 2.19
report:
12.04
